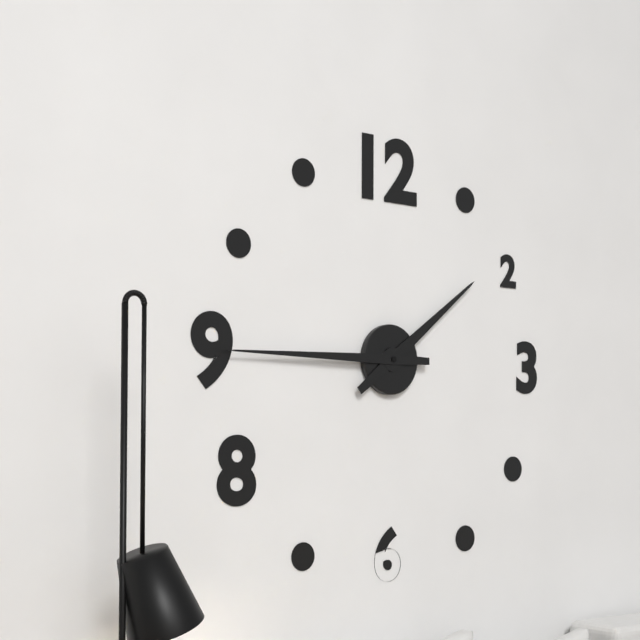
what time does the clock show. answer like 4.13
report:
1.45
